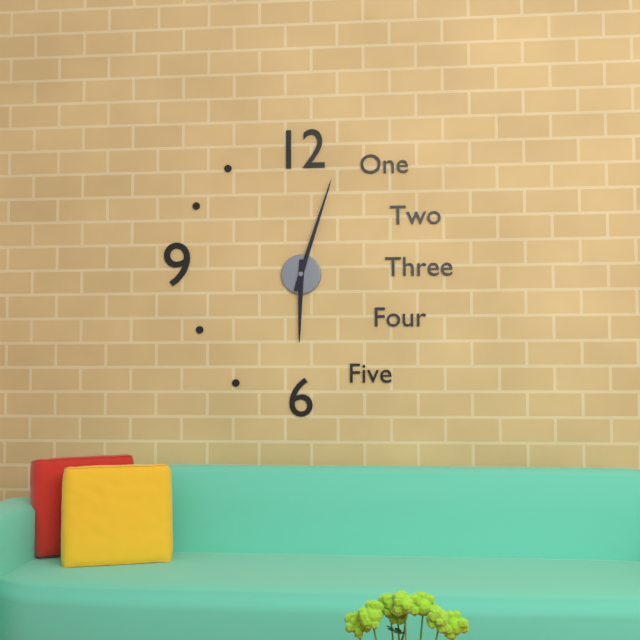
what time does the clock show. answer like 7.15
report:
6.03
